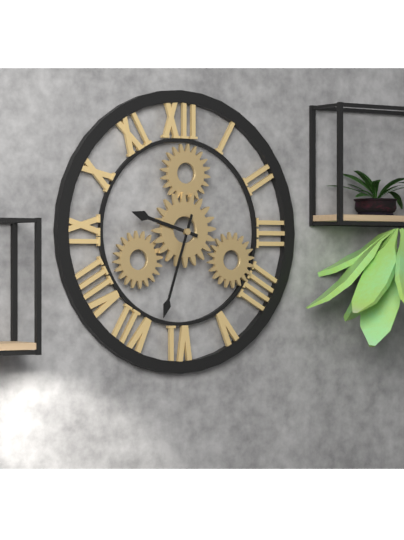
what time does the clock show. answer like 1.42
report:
9.33
